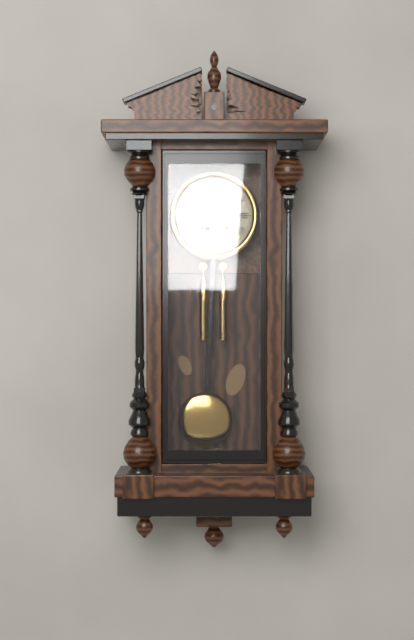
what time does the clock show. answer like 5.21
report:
6.50
